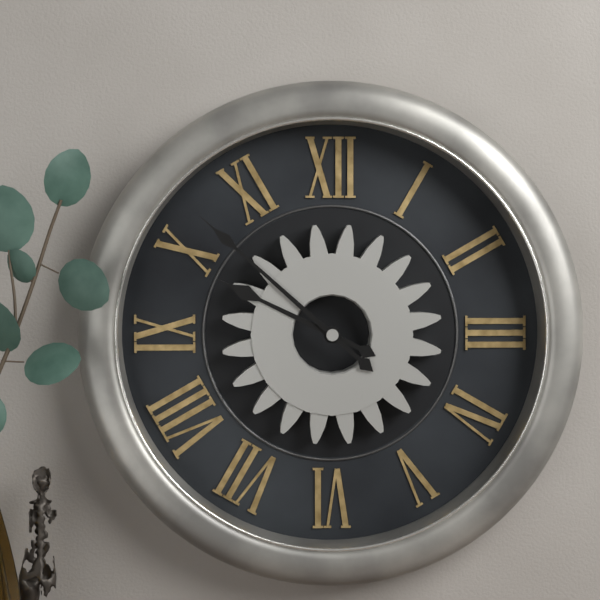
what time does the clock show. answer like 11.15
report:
9.52
